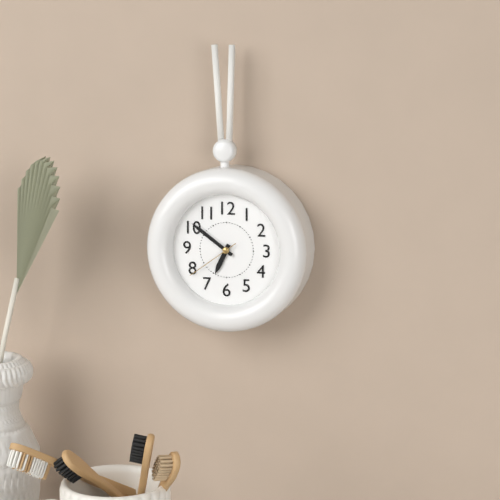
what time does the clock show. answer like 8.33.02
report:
6.51.39
